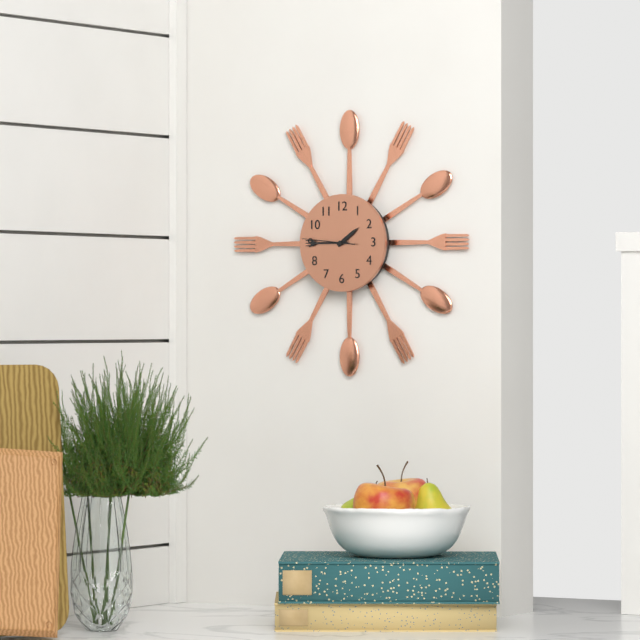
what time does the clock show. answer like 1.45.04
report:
1.45.46
